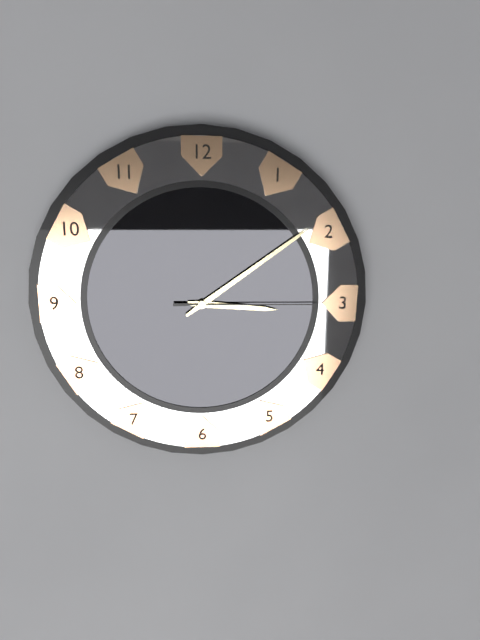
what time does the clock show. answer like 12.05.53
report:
3.09.15
